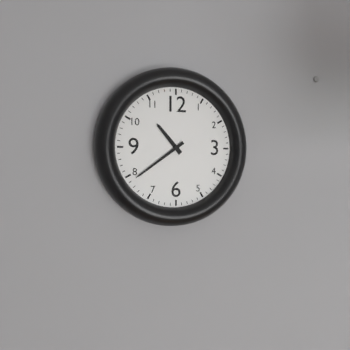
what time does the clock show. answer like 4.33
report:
10.39
